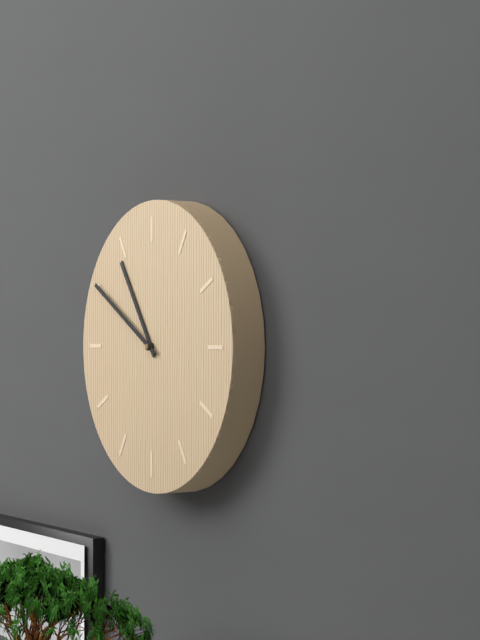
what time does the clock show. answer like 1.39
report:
10.50
